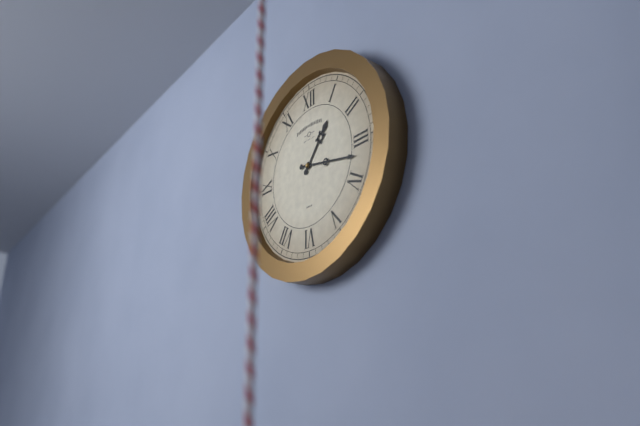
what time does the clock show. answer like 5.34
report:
1.17
